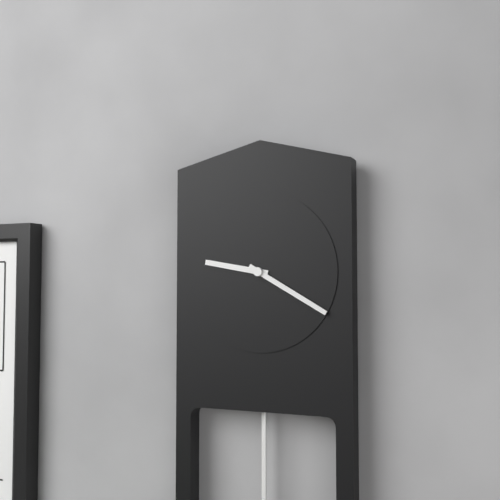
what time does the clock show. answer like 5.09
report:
9.20
